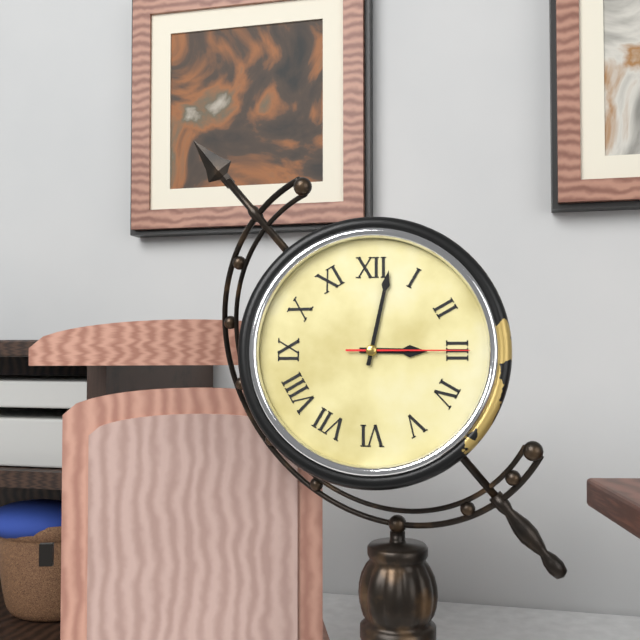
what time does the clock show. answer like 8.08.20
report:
3.02.15
